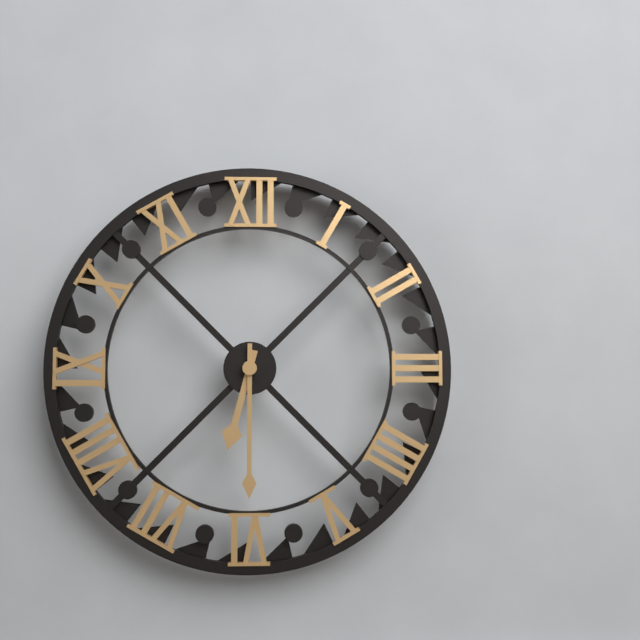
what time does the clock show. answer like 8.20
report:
6.30
